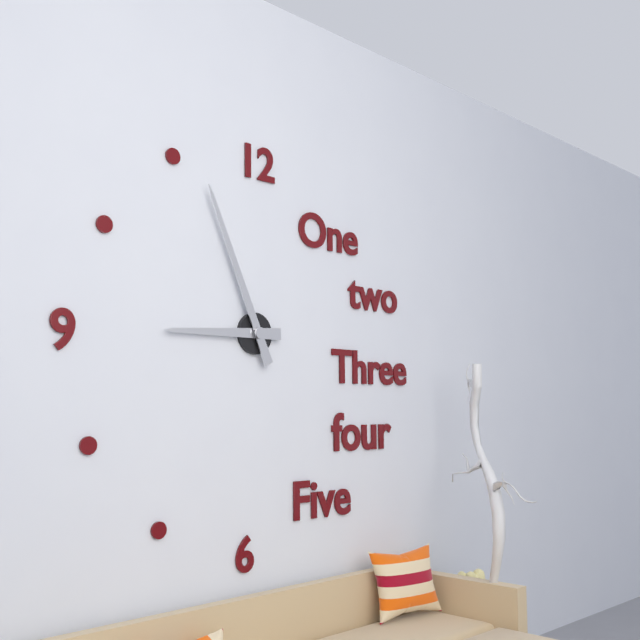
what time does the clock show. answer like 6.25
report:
8.56
